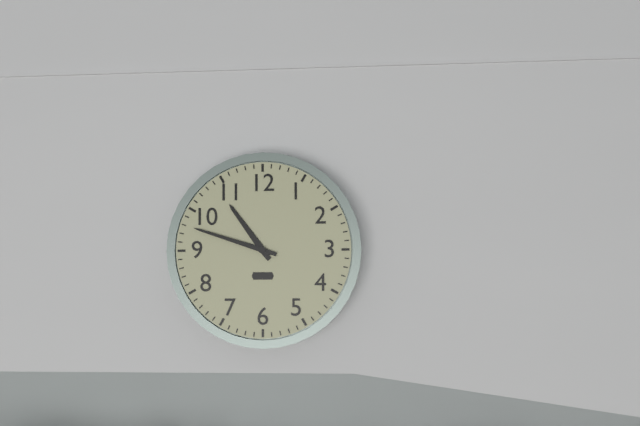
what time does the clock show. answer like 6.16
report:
10.48
